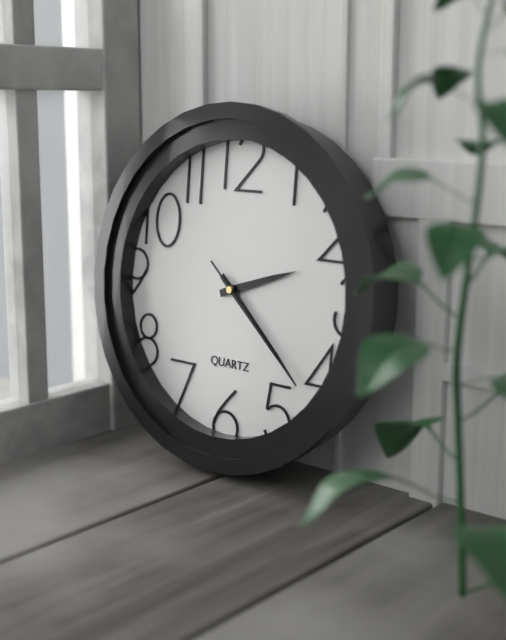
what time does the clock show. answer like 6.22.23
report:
2.22.22
